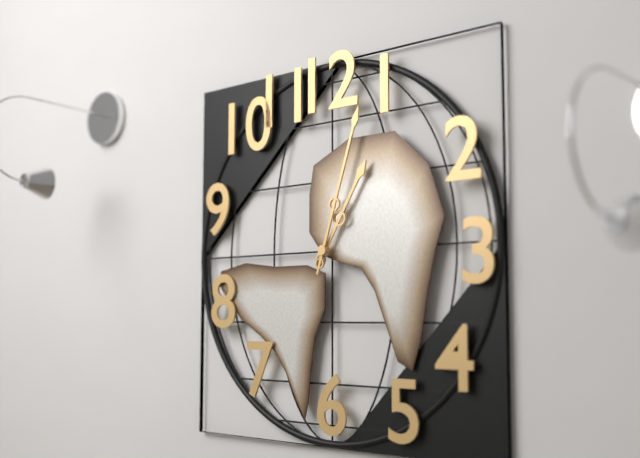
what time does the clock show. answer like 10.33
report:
1.03
